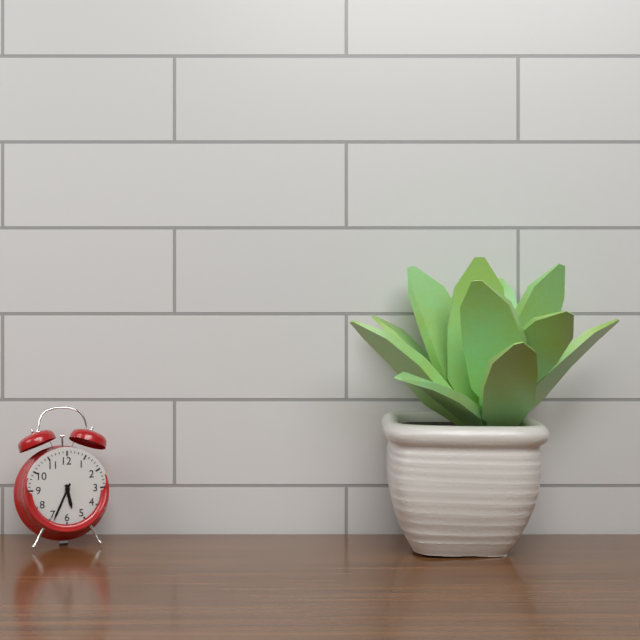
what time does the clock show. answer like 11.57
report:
5.34
